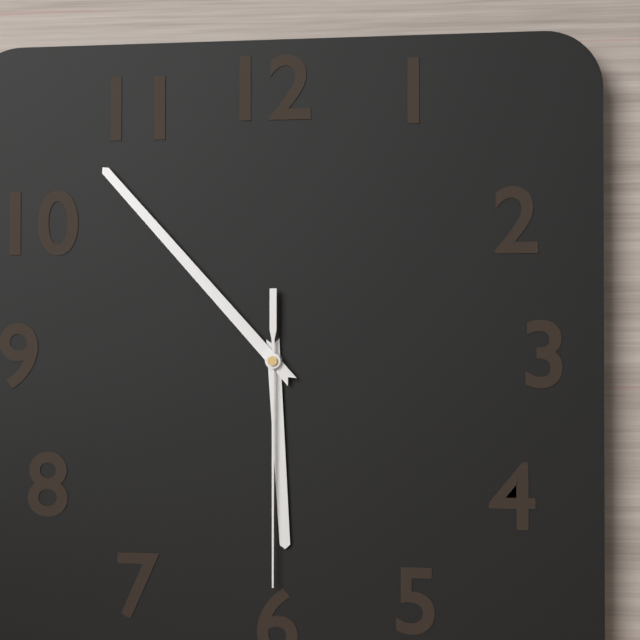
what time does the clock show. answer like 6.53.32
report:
5.53.30
